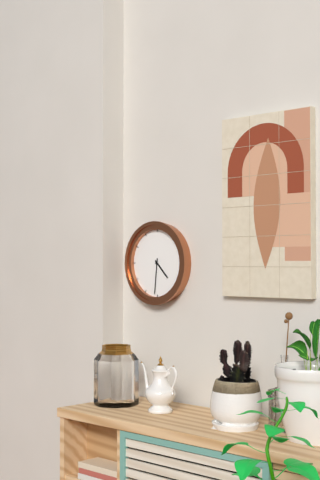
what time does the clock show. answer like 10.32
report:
4.31
